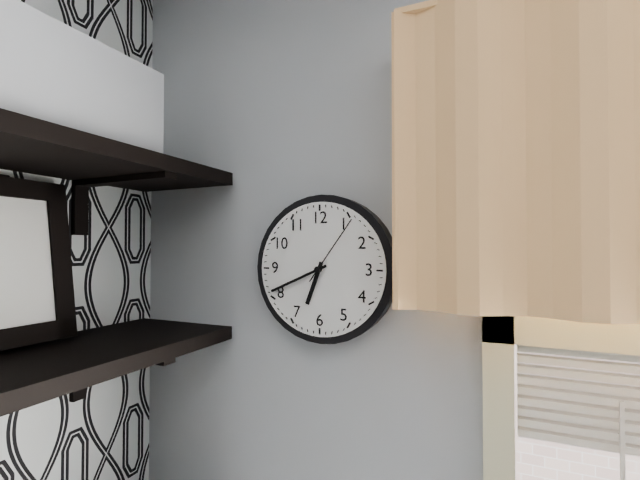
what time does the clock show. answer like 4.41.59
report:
6.41.06
